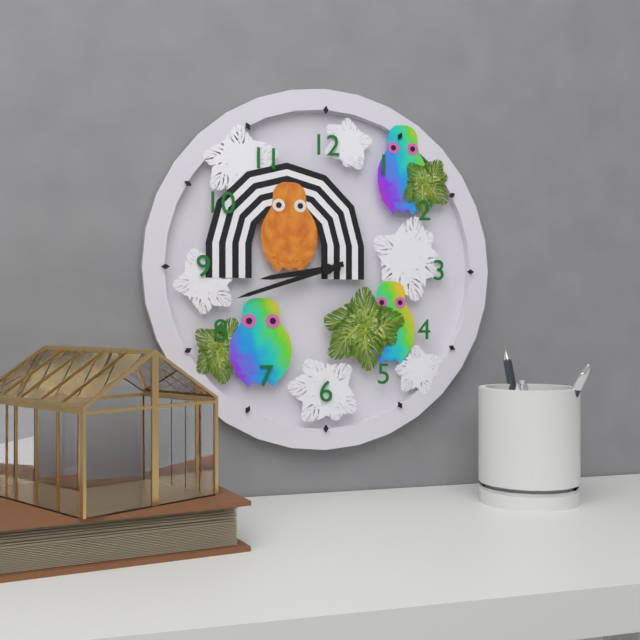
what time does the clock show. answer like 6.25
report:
8.42
